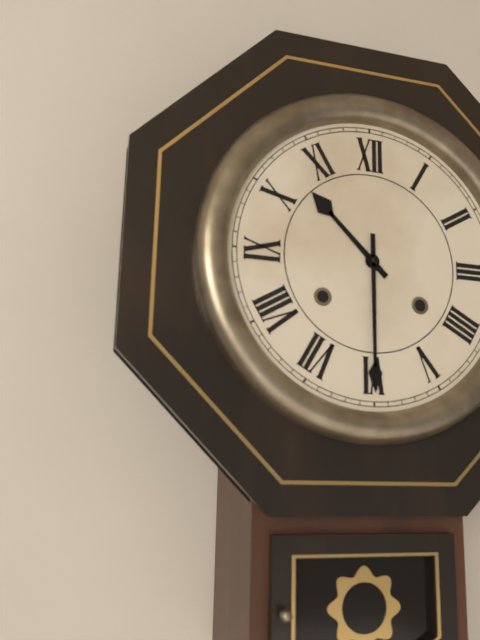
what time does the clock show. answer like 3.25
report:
10.30
